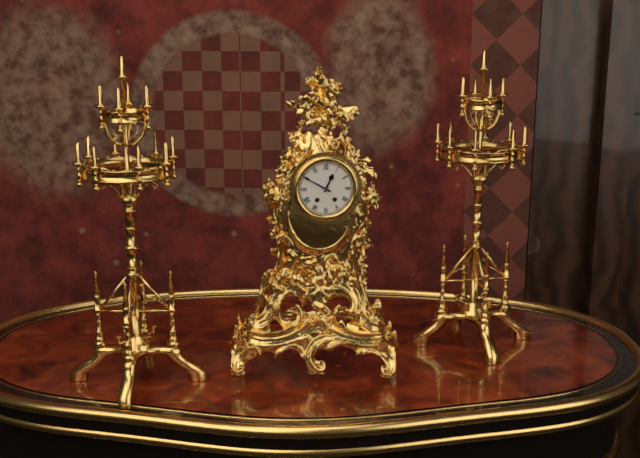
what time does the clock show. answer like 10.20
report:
12.50
